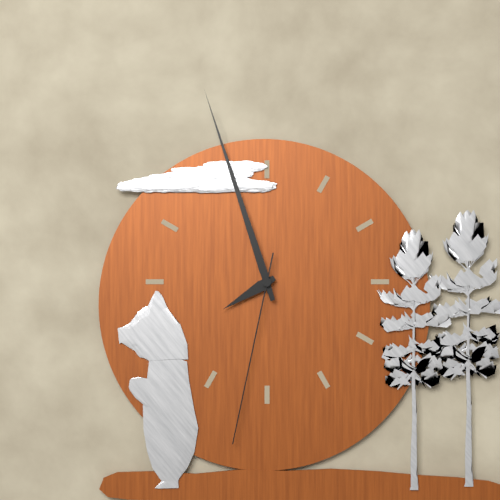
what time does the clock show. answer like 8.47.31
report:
7.57.32
